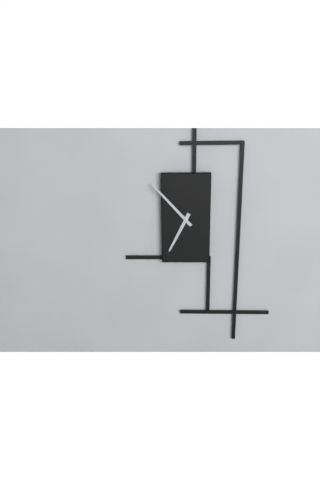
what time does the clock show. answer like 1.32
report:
6.53
